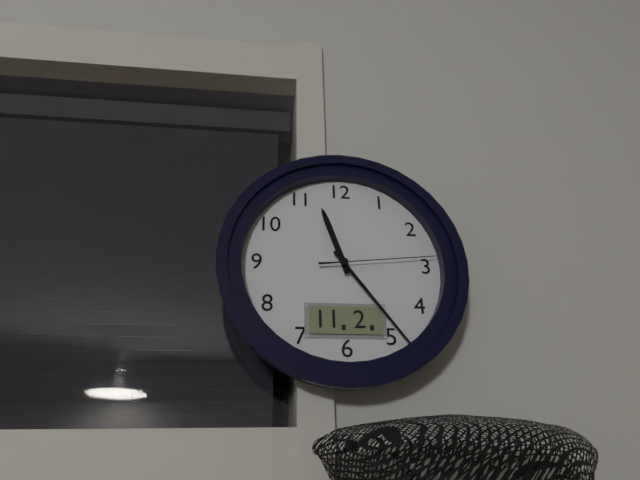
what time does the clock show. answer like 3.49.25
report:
11.24.14
